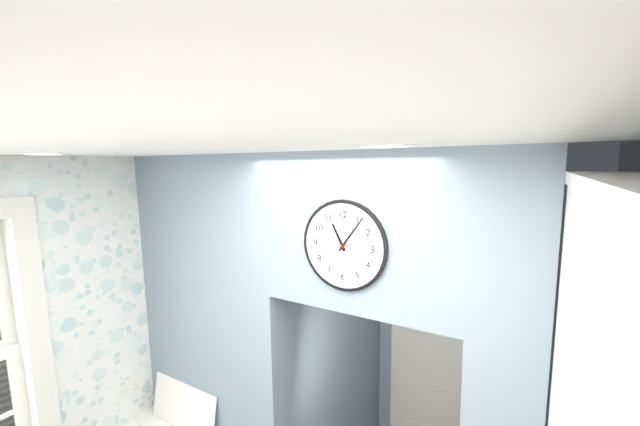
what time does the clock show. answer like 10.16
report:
11.06
